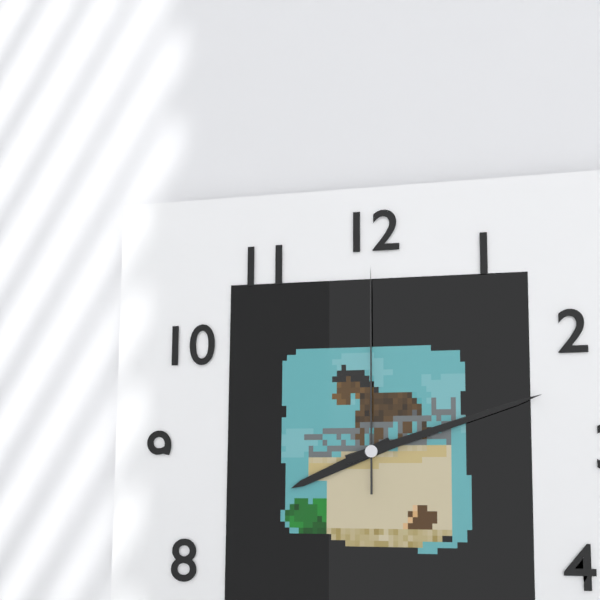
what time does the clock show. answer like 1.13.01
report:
8.12.00
